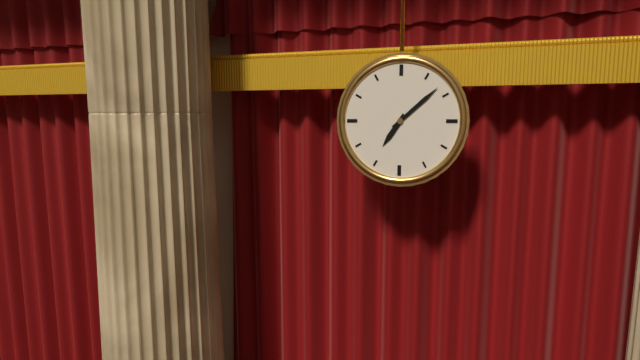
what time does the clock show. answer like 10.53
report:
7.08
